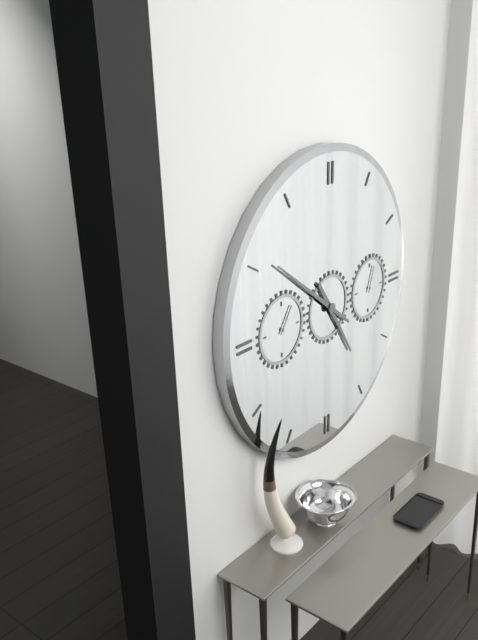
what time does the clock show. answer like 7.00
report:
4.51
